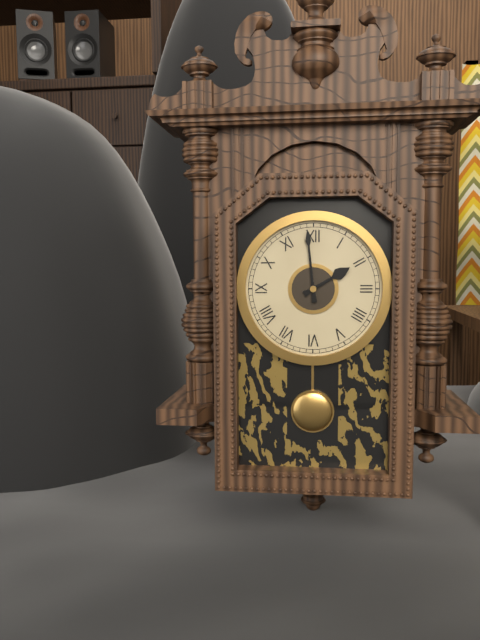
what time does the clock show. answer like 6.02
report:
1.59
